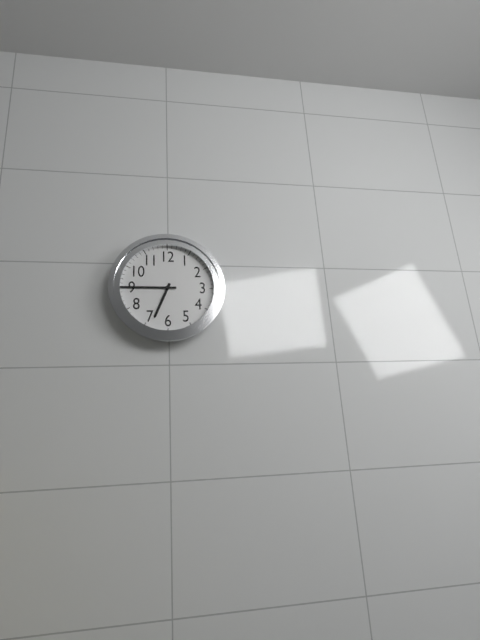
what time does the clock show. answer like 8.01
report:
6.45
